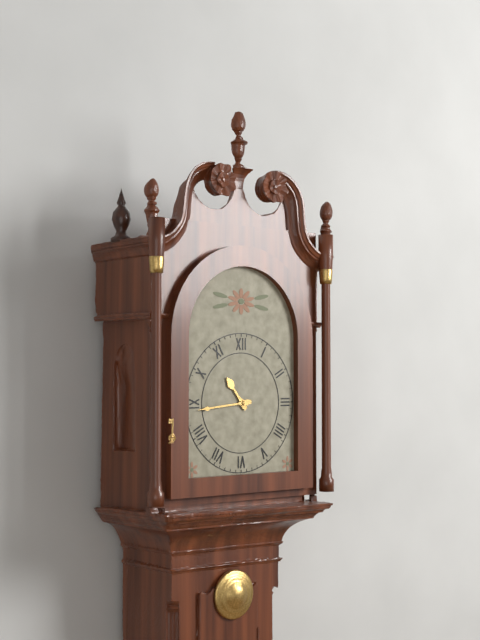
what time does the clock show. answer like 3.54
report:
10.44
